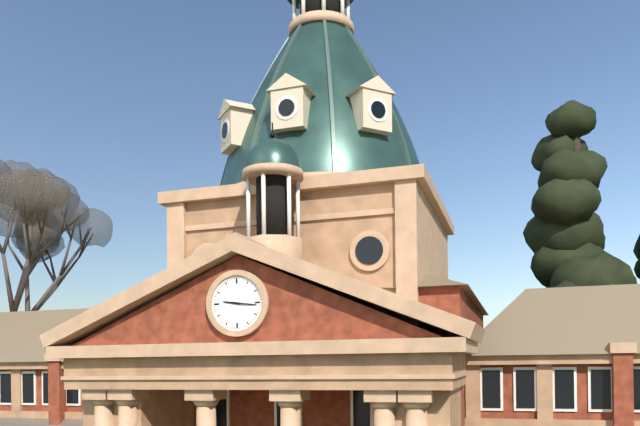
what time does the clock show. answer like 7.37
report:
9.16
